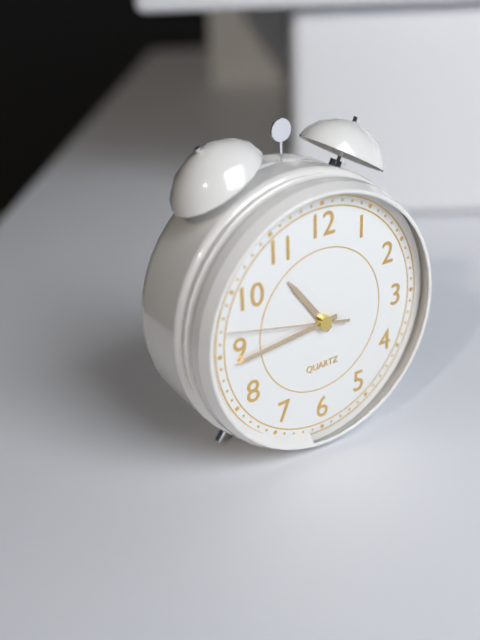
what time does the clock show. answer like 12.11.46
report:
10.44.47
